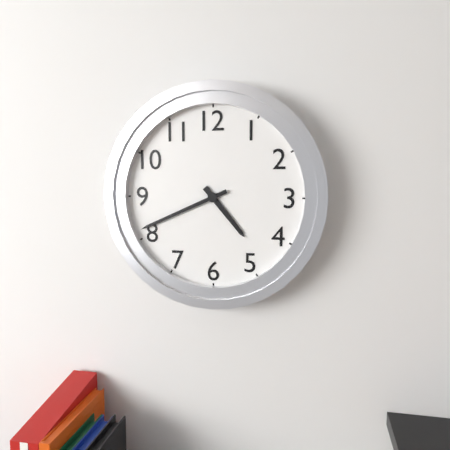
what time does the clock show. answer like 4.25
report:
4.41
